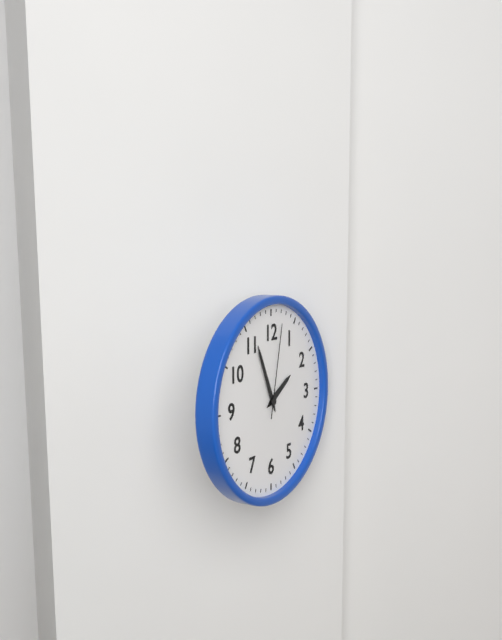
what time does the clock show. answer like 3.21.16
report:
1.56.02
